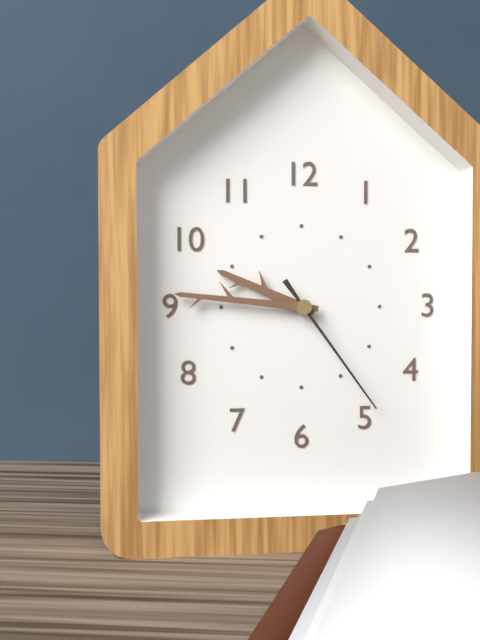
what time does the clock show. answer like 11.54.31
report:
9.46.24
